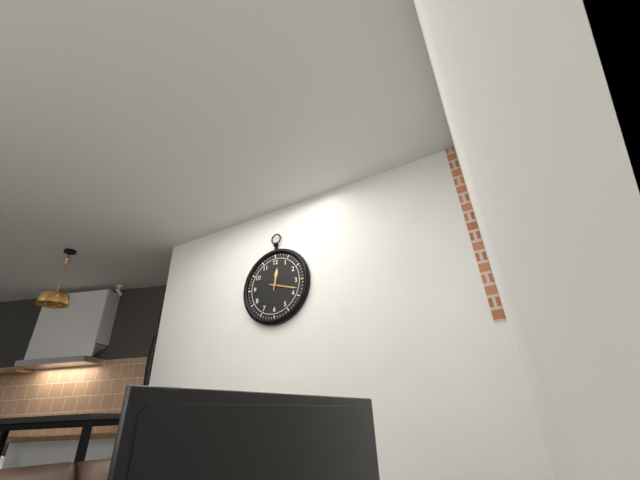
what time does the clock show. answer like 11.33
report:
12.18
